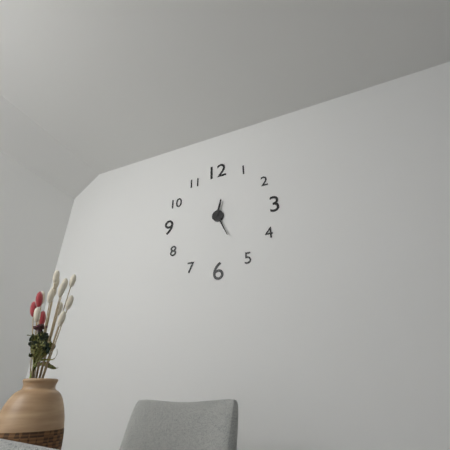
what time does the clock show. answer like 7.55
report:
12.26
